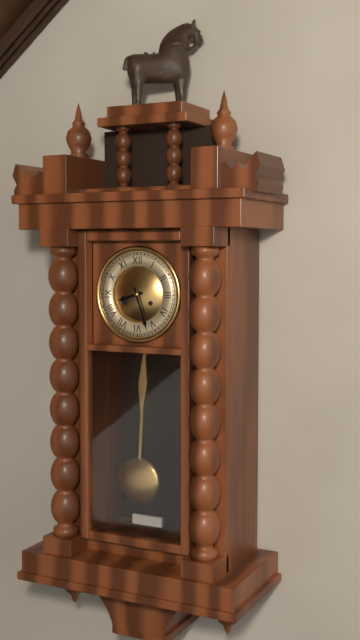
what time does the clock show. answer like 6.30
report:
8.27
